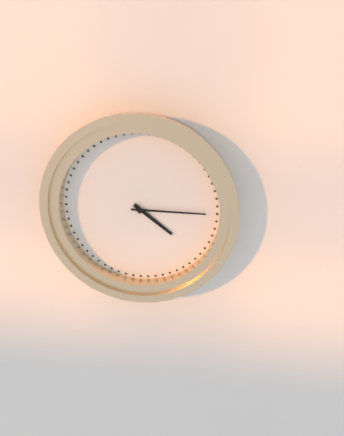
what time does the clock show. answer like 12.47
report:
4.15
